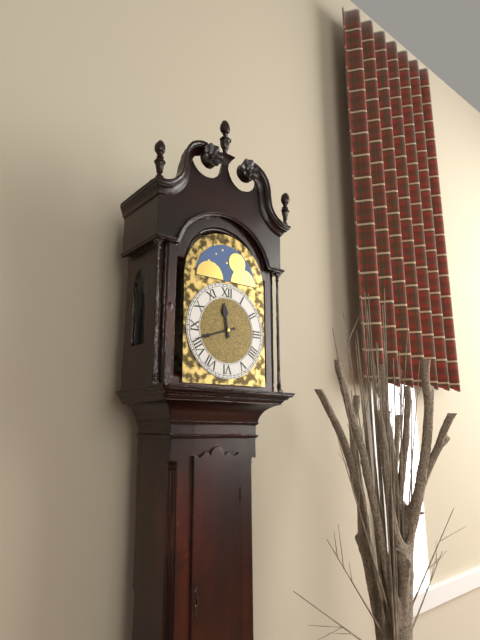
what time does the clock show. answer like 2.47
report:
11.42
